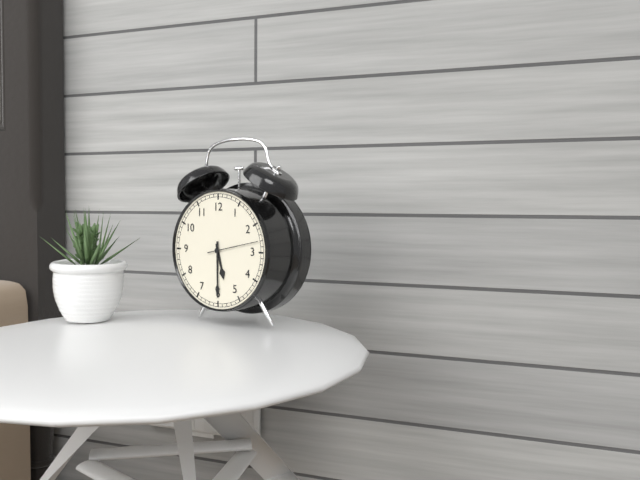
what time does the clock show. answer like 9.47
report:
5.30
